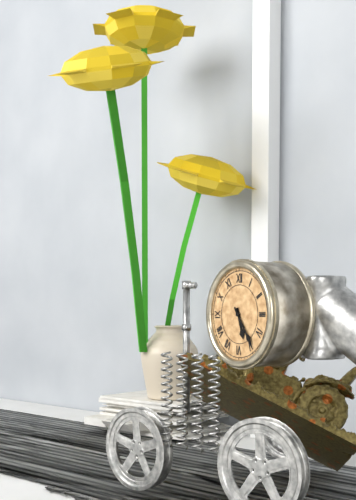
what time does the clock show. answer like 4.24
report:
5.24
